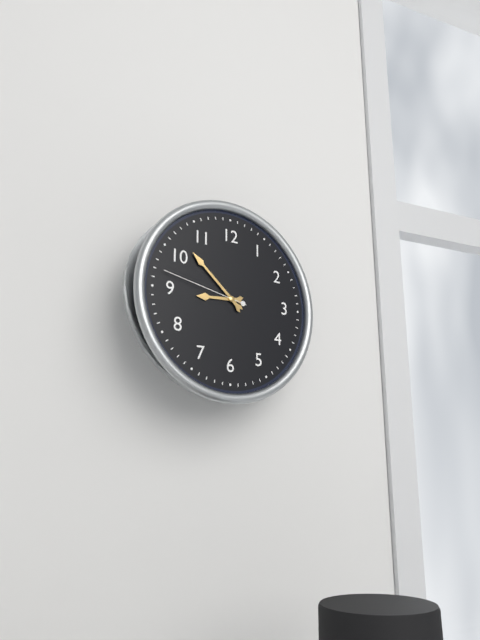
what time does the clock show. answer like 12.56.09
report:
8.52.47
